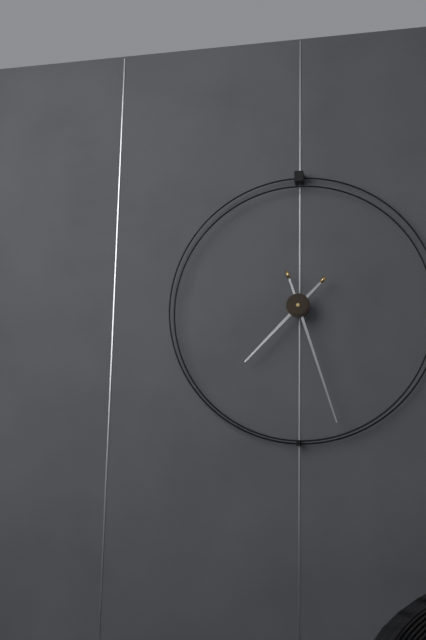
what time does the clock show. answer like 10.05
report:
7.27
